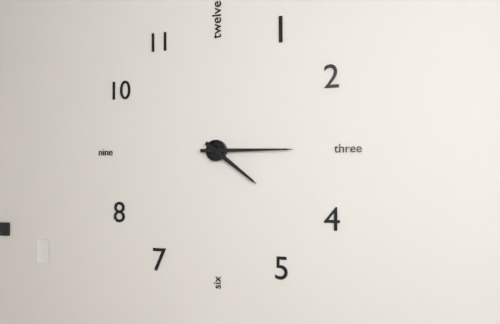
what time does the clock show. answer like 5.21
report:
4.15
